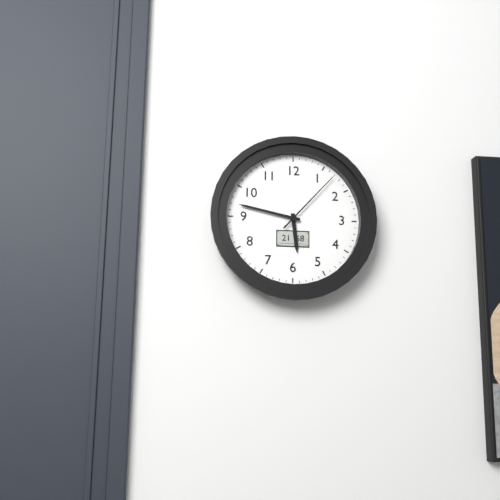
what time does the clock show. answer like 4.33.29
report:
5.47.07
